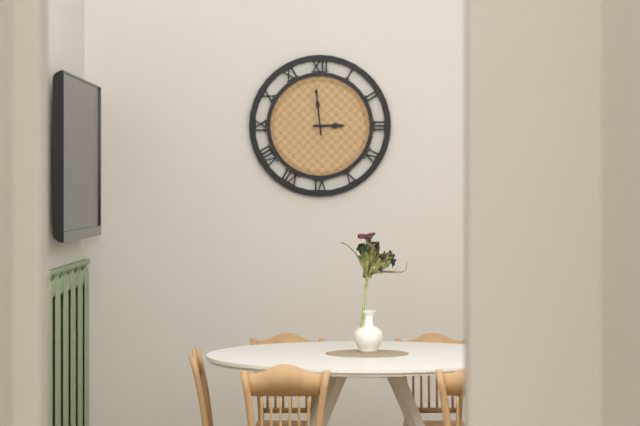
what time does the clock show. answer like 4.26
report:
2.59
